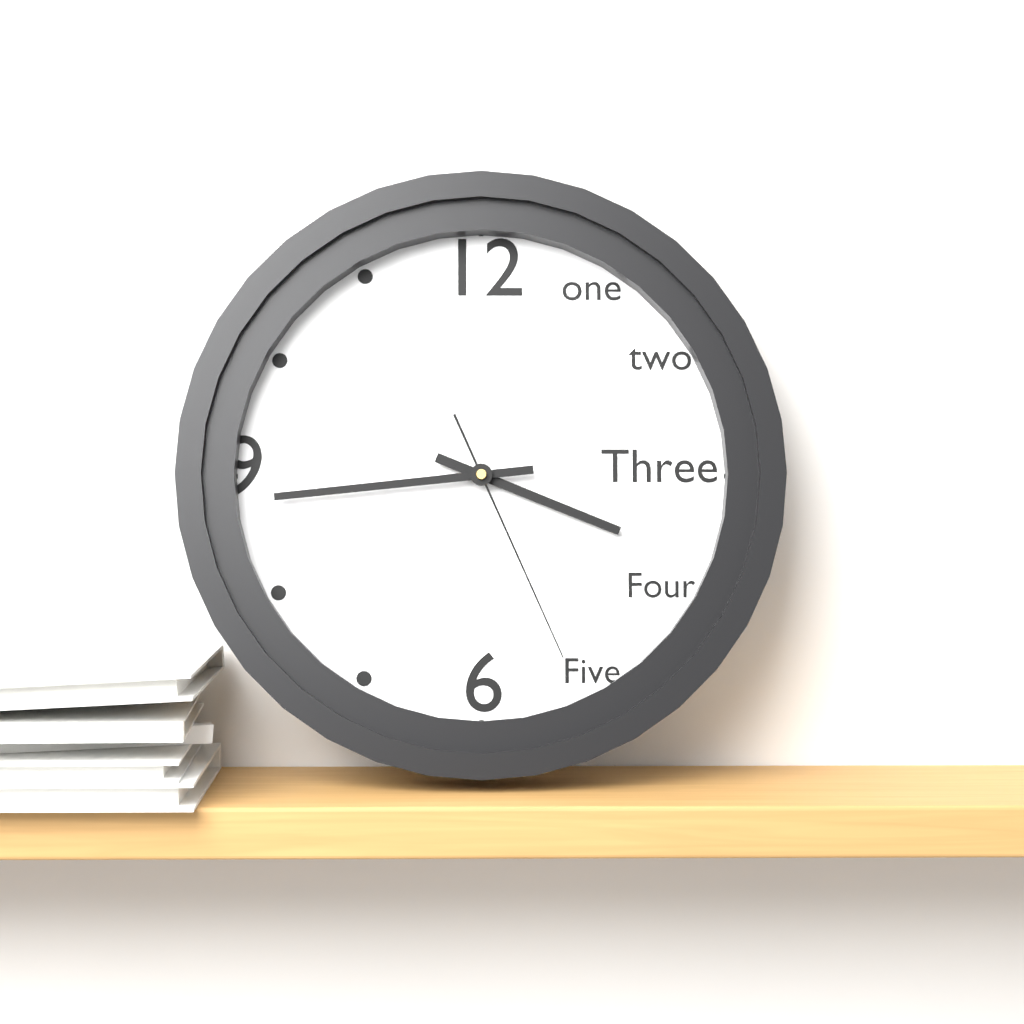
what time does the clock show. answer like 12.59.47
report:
3.44.26
